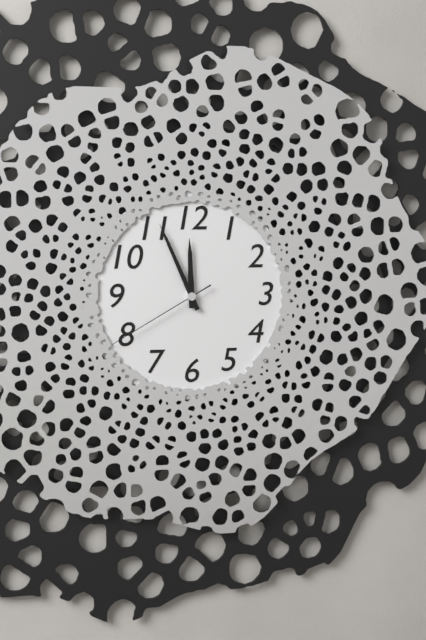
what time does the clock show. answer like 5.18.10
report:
11.56.40
